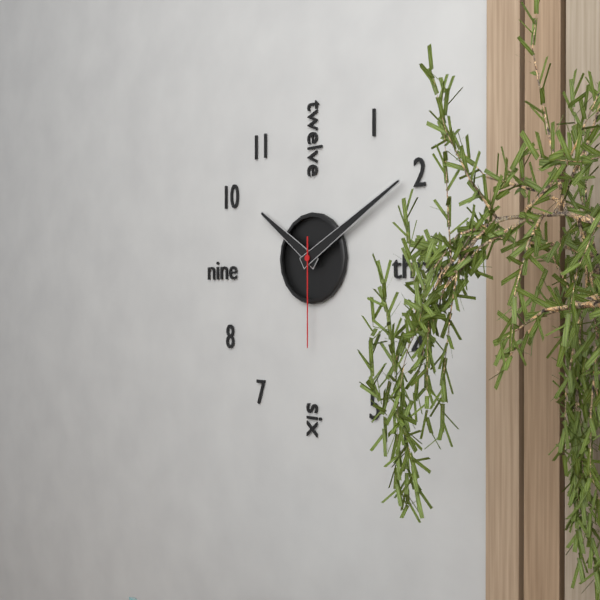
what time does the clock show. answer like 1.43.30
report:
10.10.30
